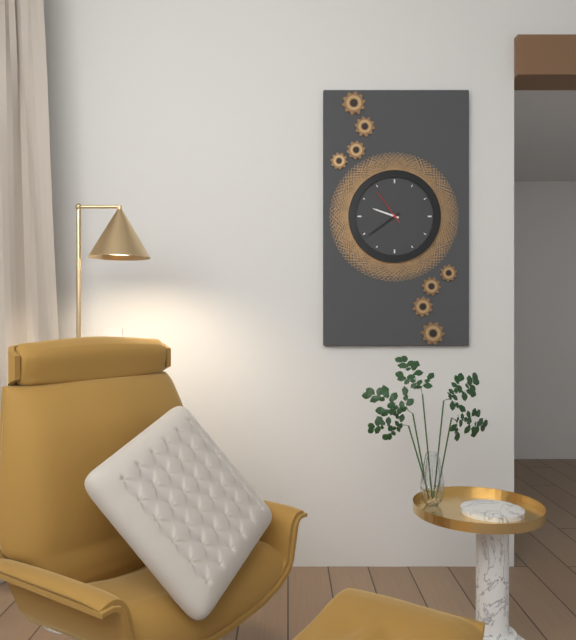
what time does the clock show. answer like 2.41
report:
9.39
